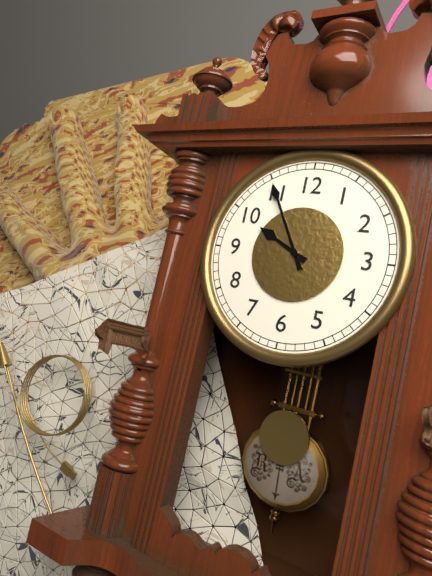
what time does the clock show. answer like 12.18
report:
9.55
